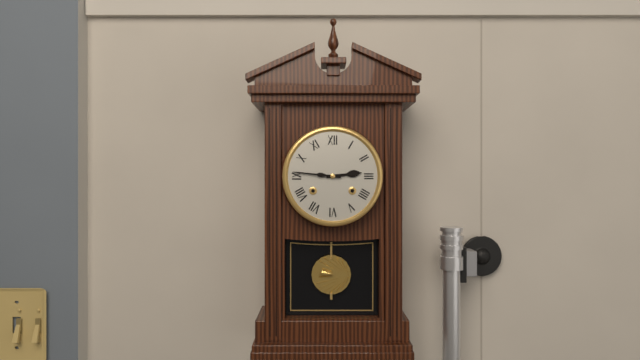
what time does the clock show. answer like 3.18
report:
2.46
